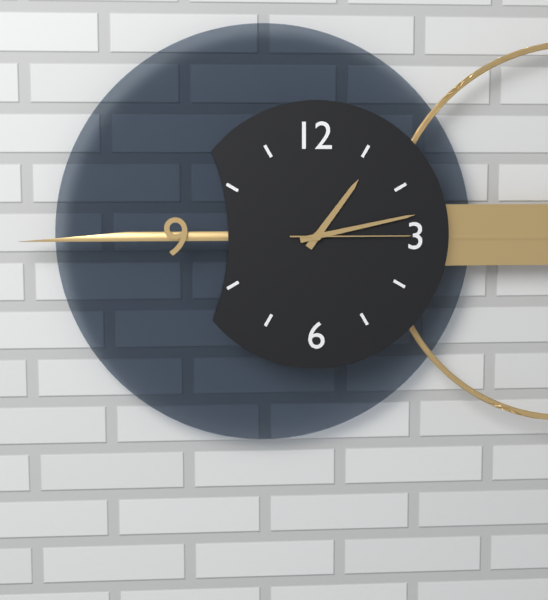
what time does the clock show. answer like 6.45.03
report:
1.13.15
